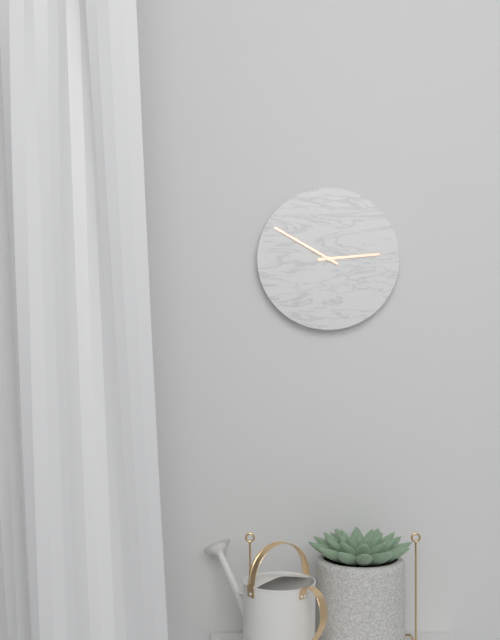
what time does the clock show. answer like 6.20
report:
2.50
